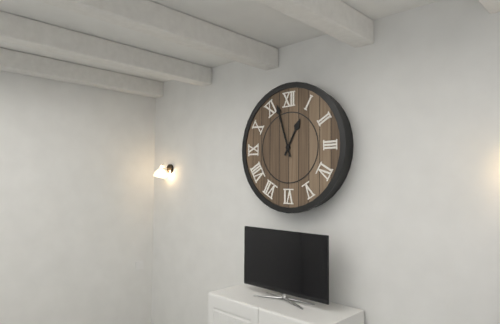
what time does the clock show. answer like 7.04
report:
12.57
